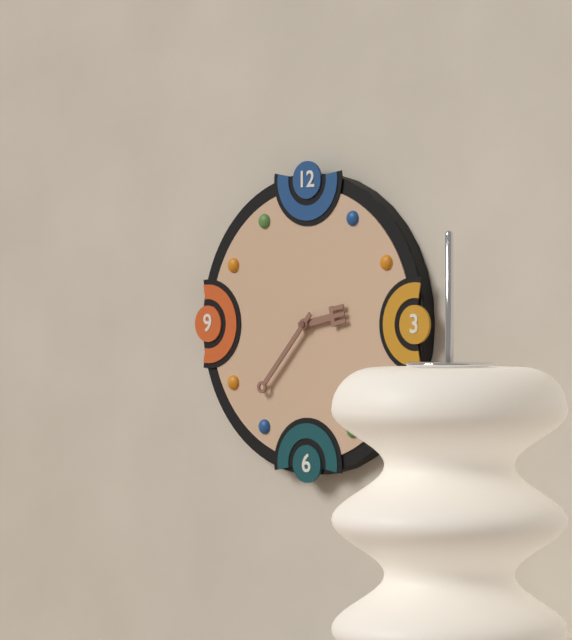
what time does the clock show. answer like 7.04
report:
2.37
